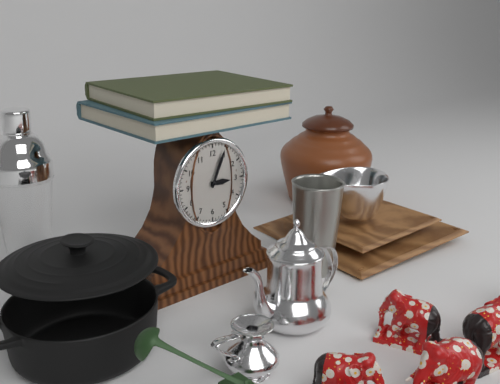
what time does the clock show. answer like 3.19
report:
3.04
